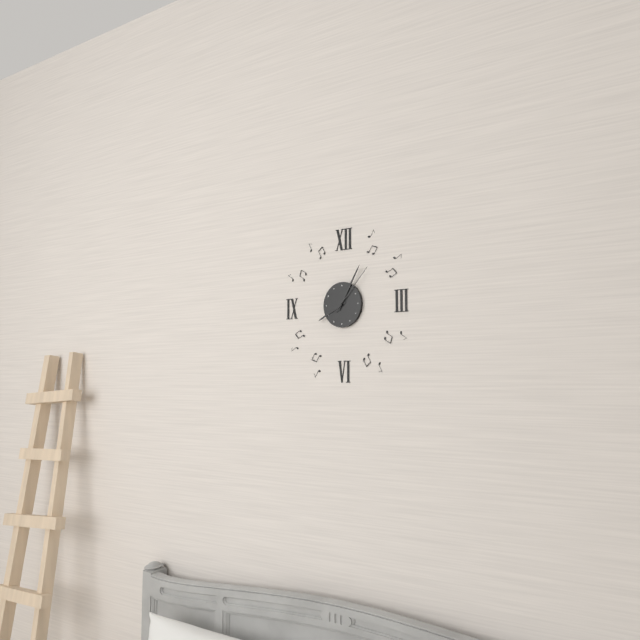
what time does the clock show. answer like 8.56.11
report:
8.05.07
